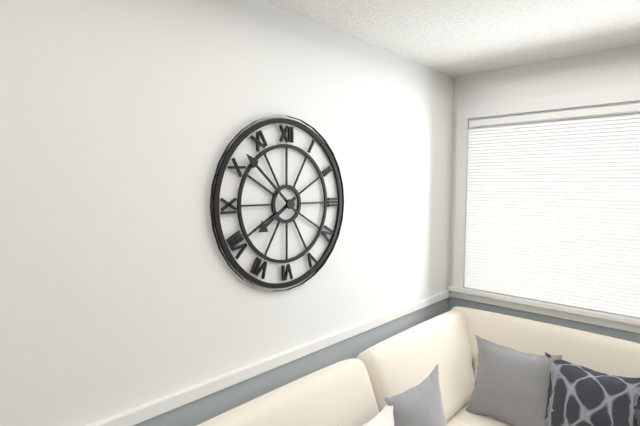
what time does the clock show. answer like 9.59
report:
7.52
